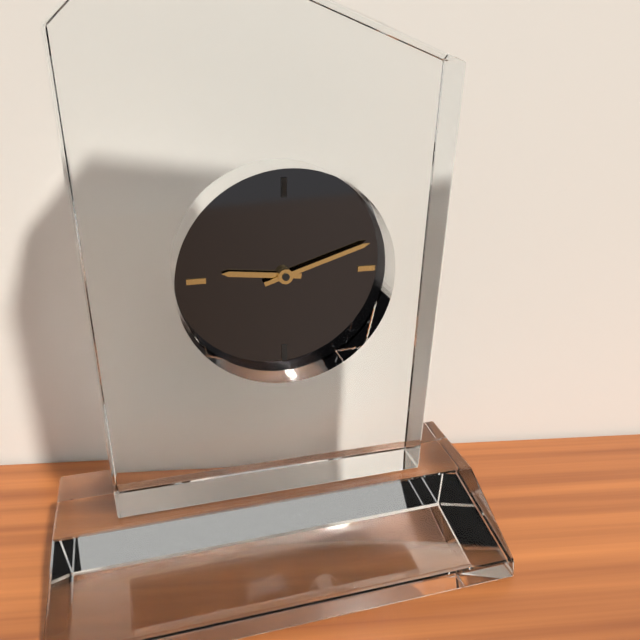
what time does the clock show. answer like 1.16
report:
9.12
